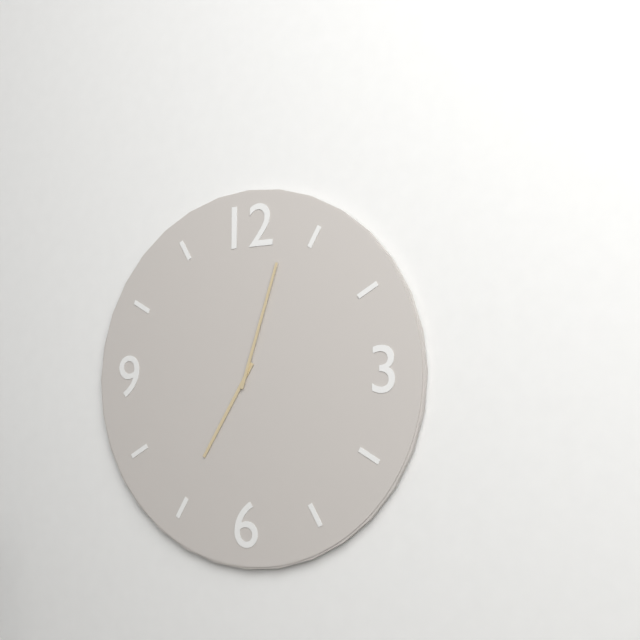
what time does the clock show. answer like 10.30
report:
7.03
